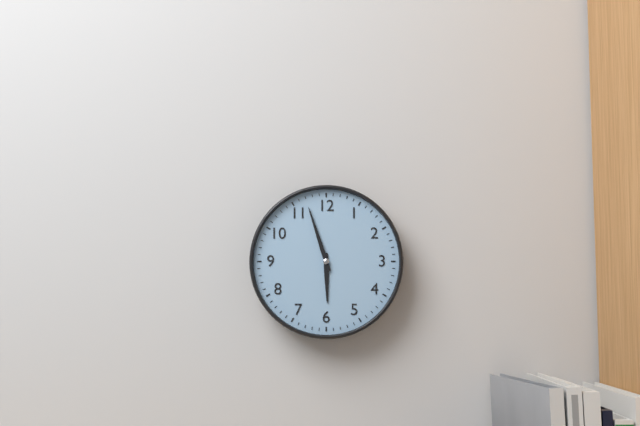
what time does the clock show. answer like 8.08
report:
5.57
